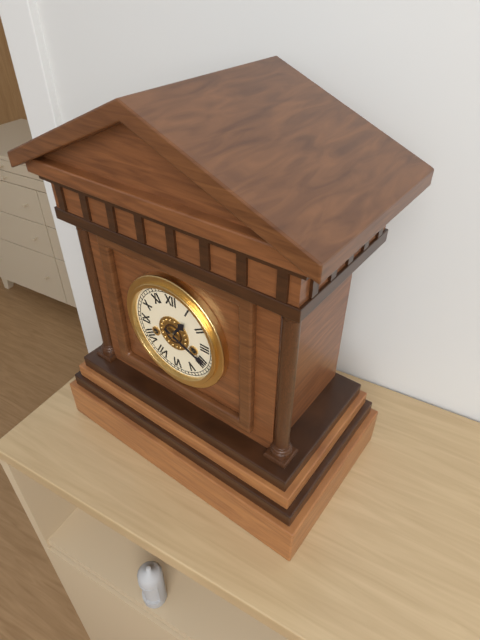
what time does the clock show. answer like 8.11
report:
1.19
